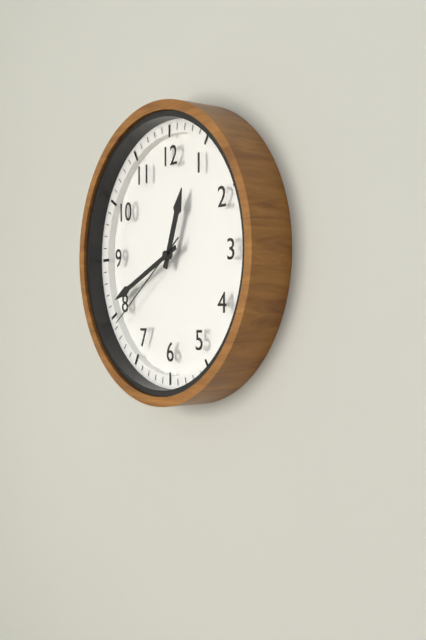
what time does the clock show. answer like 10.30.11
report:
12.41.39
